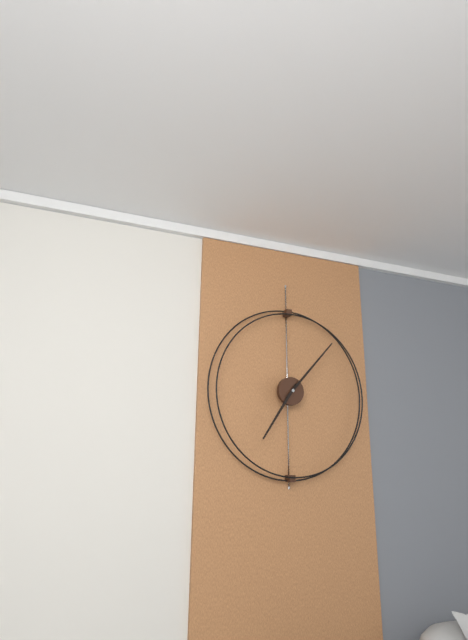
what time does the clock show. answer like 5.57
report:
7.07
